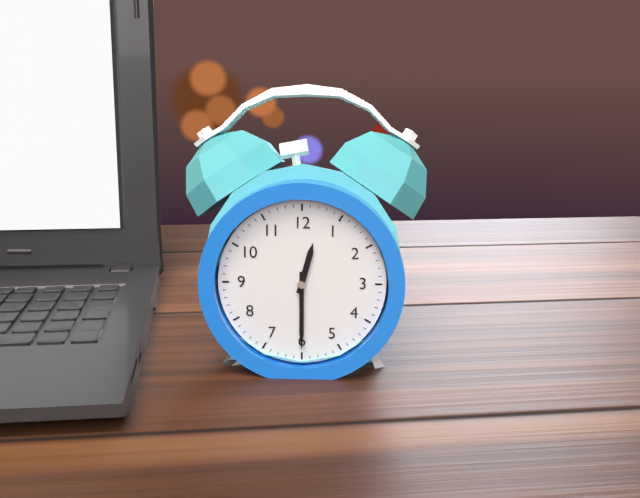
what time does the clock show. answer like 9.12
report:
12.30
